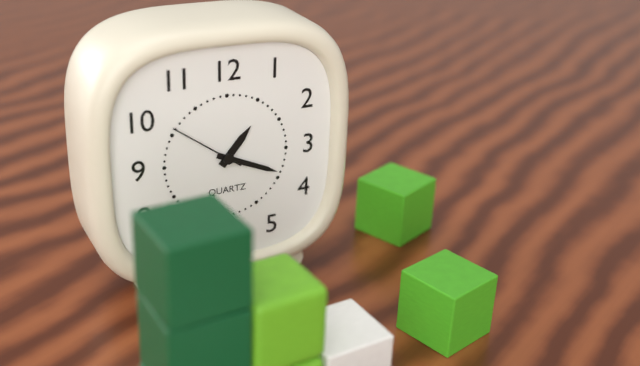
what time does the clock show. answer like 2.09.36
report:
1.19.51
